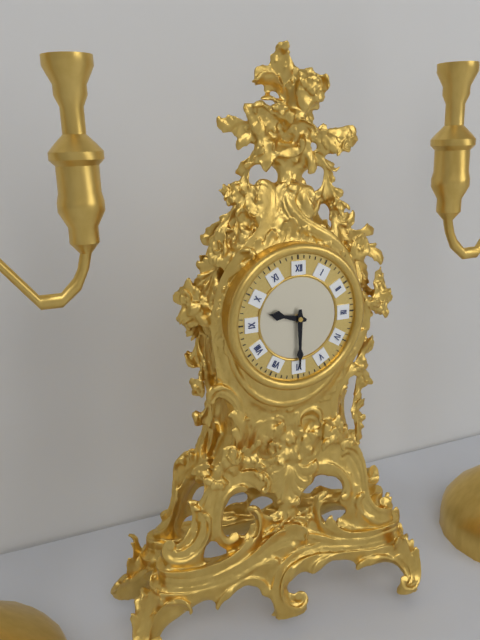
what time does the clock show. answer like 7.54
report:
9.30
